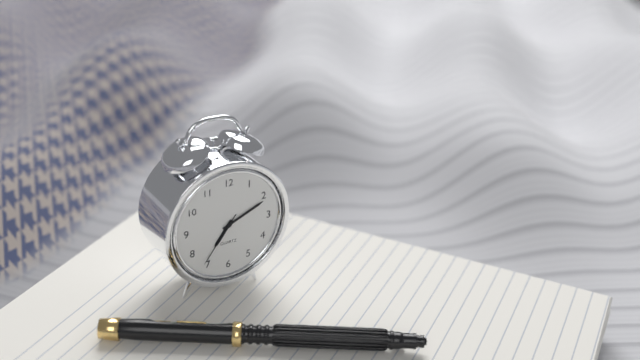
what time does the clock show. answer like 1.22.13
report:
7.11.36
